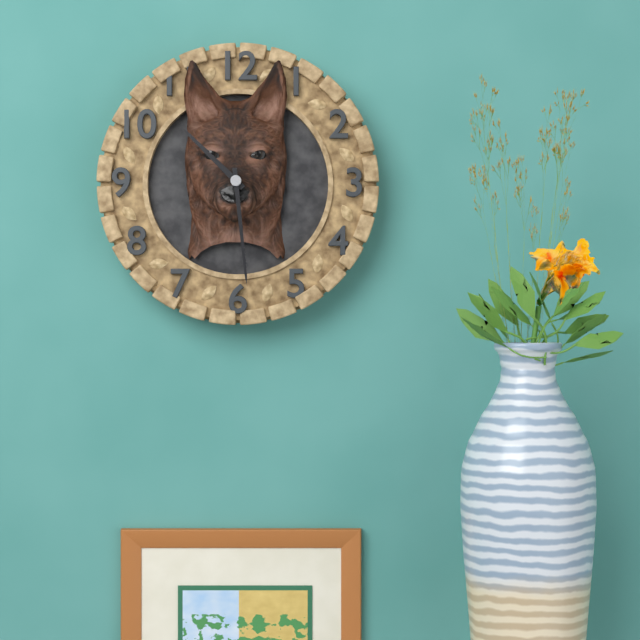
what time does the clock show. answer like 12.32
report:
10.29
